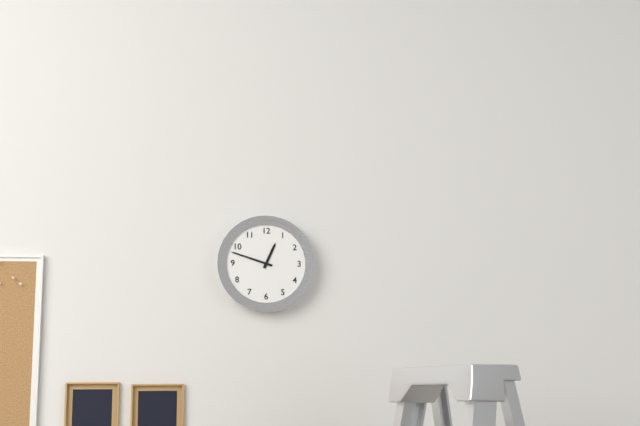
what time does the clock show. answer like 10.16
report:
12.48
